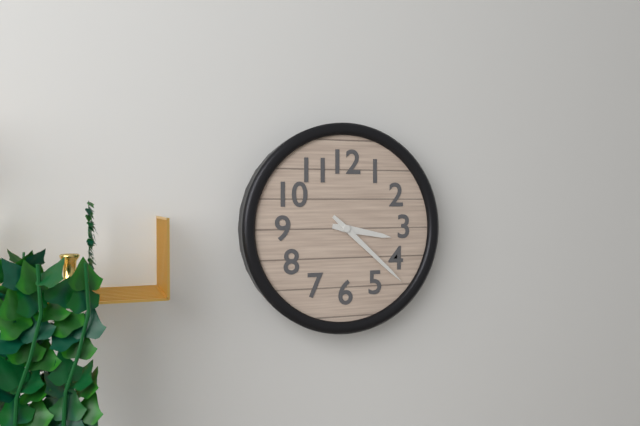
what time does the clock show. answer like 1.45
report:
3.22
